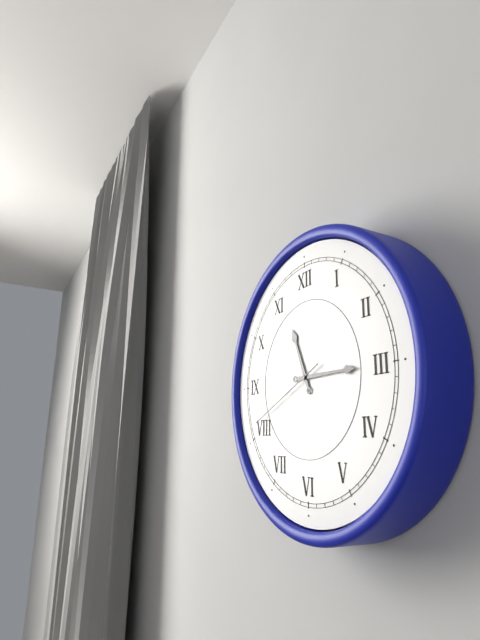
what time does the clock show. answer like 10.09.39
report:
11.15.41
